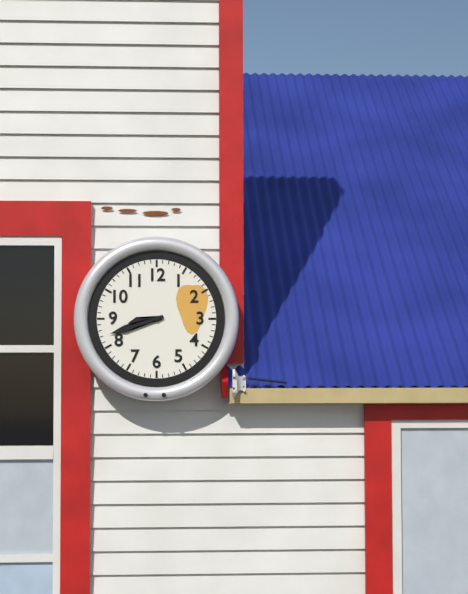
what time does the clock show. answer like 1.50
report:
8.42
